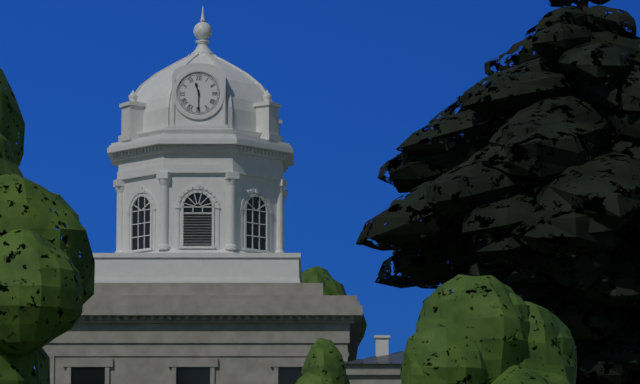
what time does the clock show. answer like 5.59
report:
11.30
